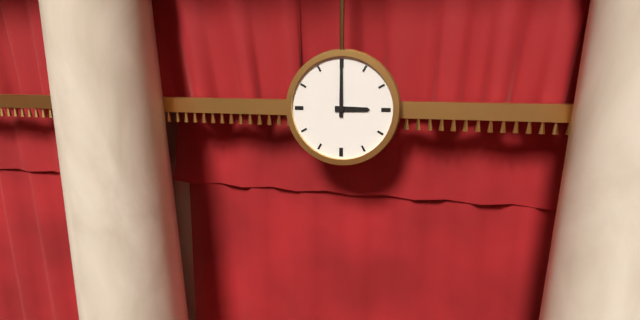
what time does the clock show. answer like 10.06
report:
3.00
